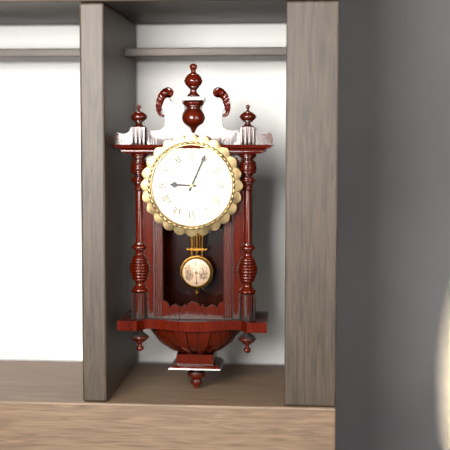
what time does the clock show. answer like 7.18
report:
9.04
